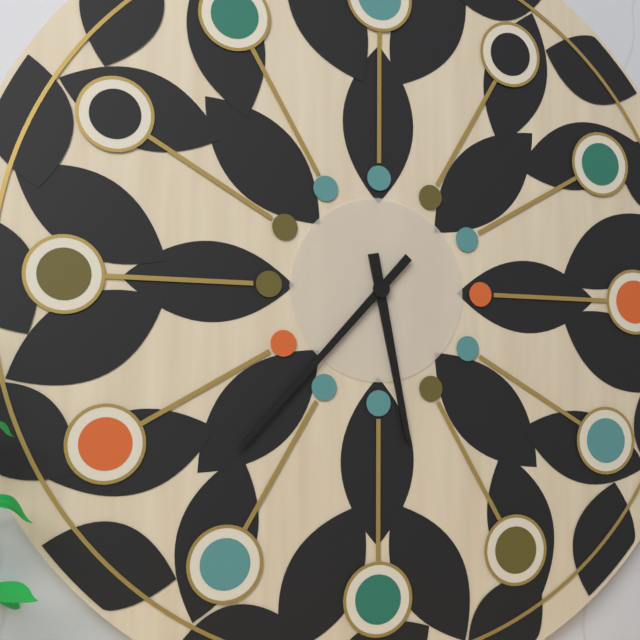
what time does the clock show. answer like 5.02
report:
5.37
